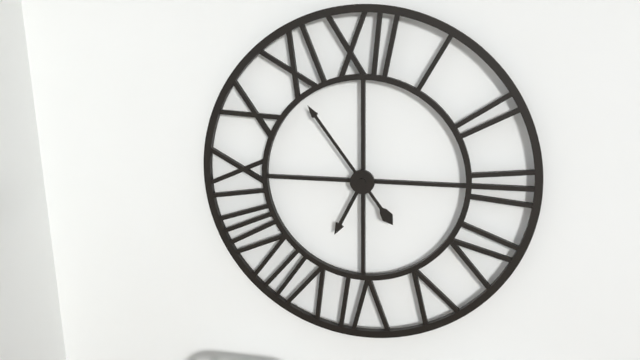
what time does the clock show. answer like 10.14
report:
6.54
